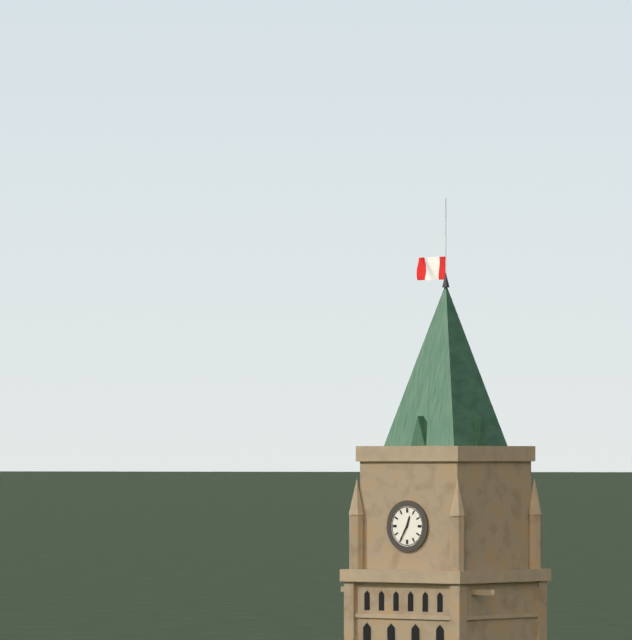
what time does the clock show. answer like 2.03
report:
12.35
